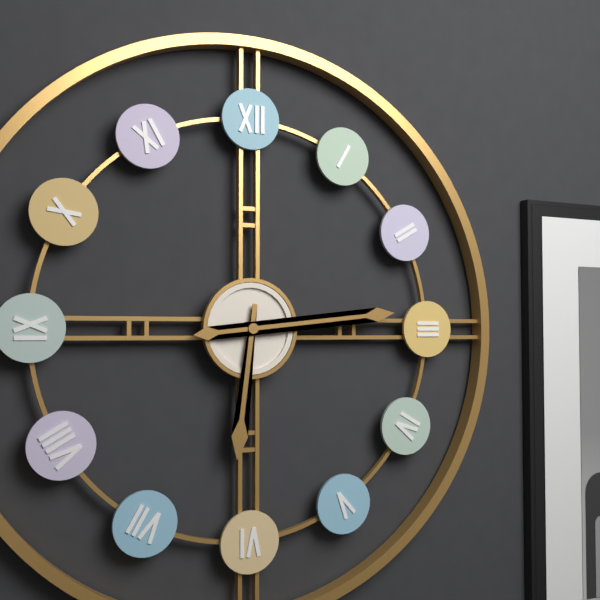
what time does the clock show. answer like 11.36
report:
6.14
